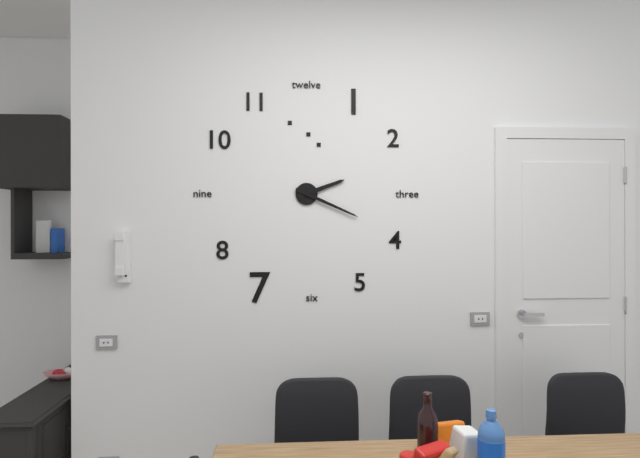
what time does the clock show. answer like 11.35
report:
2.19
